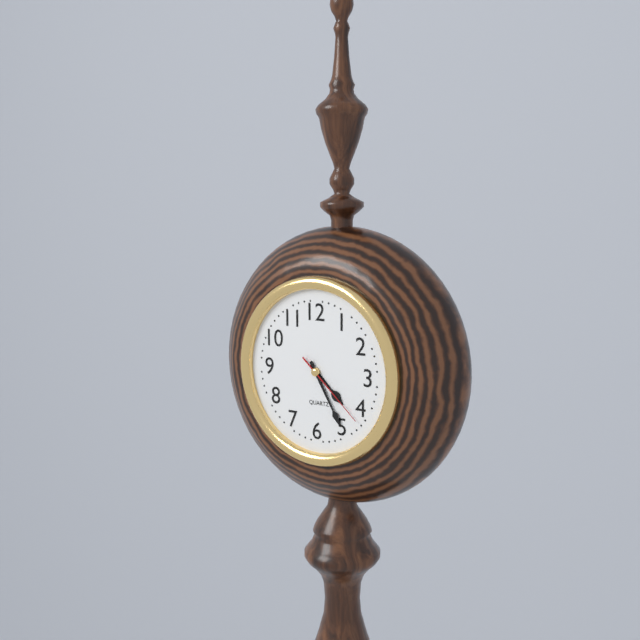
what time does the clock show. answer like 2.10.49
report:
4.25.22
